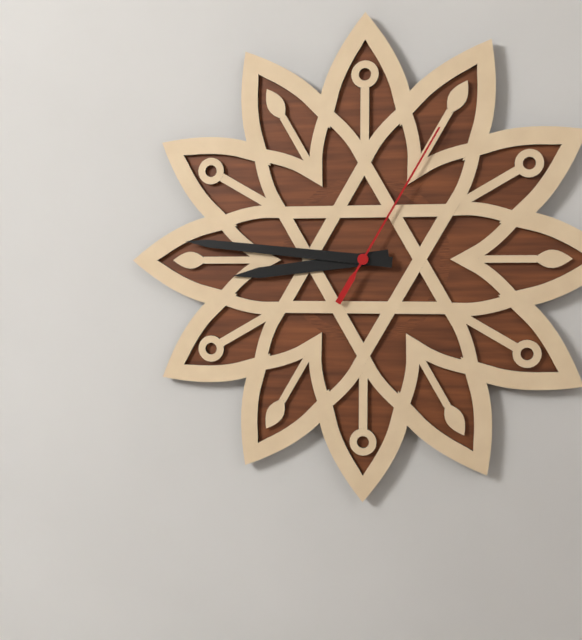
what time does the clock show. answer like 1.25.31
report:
8.46.05
